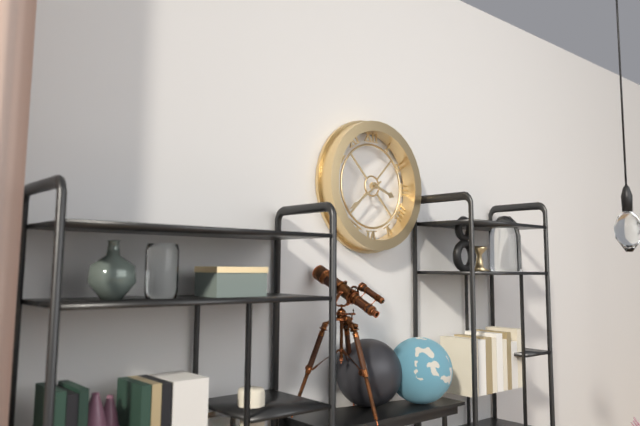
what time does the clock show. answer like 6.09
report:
3.39
